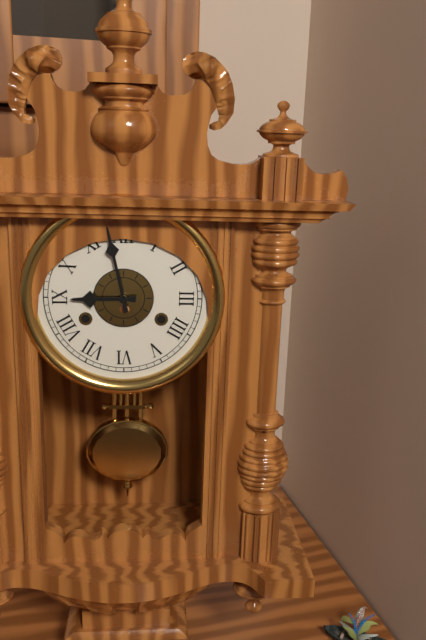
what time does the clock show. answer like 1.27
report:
8.58
